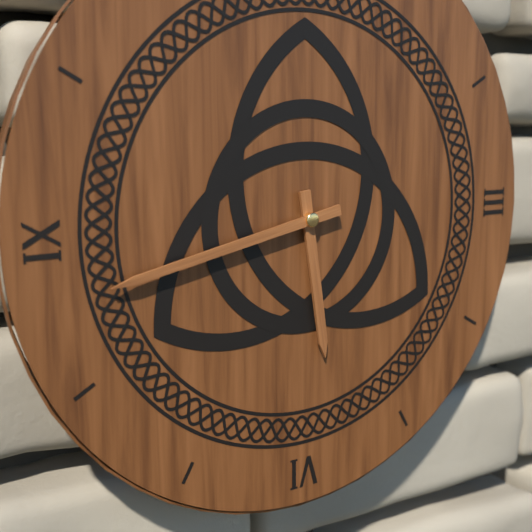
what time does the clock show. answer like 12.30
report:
5.43
